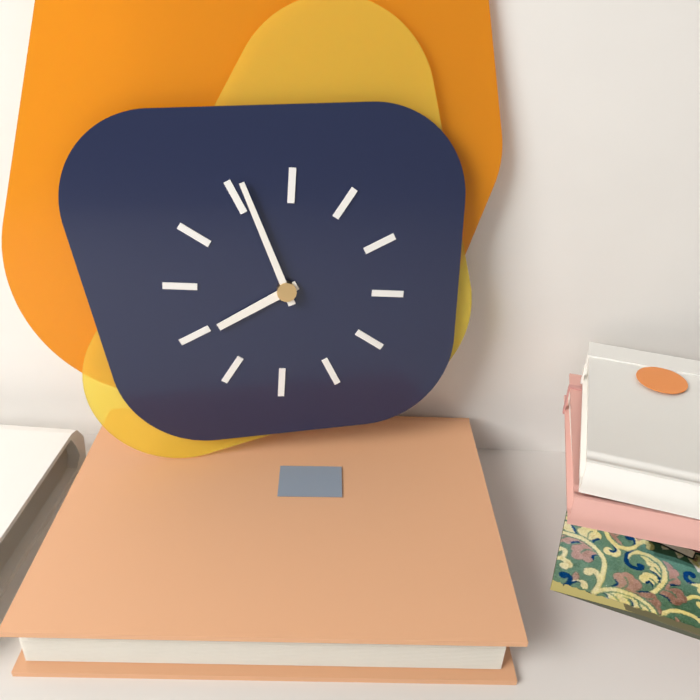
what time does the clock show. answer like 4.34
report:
7.56
